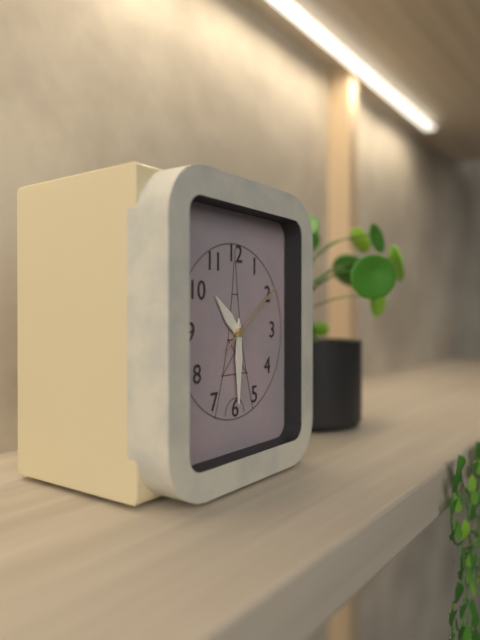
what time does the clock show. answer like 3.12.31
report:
10.30.09
